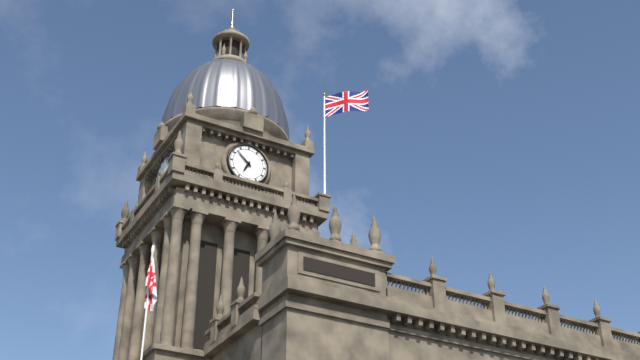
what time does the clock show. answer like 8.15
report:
6.52
